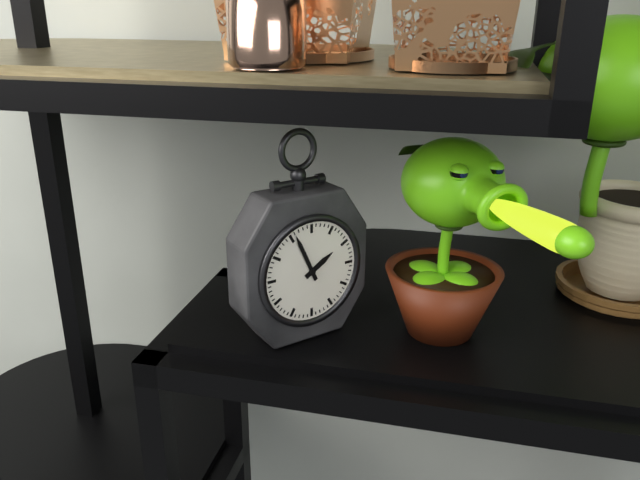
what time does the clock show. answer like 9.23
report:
1.56
